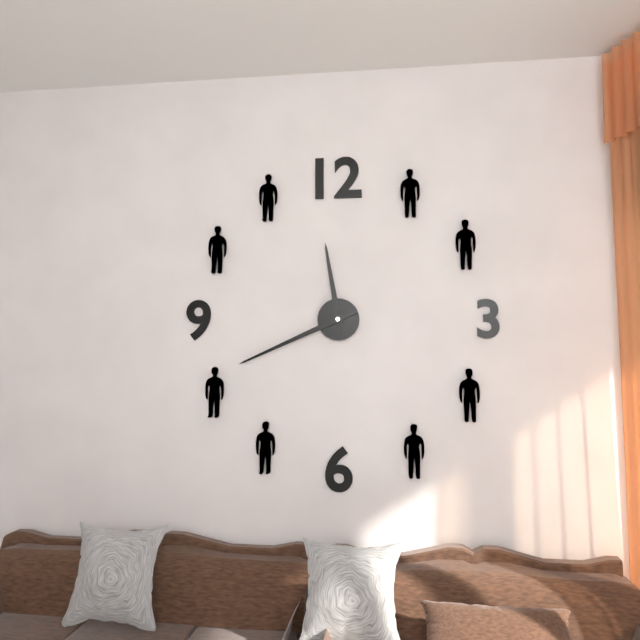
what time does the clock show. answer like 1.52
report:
11.41
